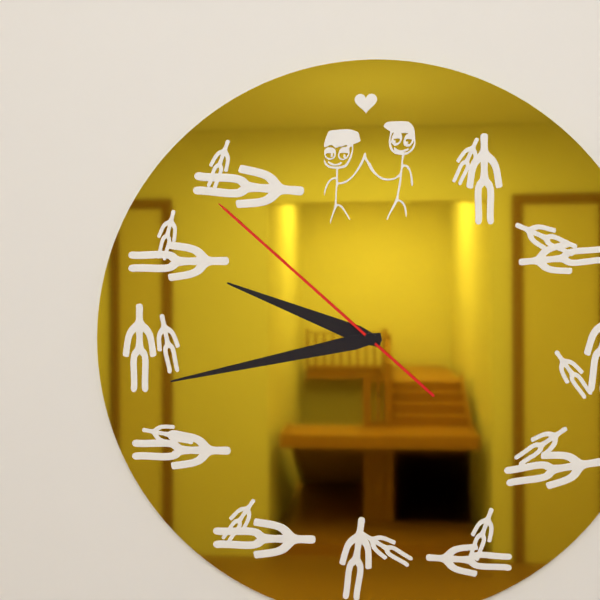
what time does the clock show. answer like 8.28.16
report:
9.43.52
